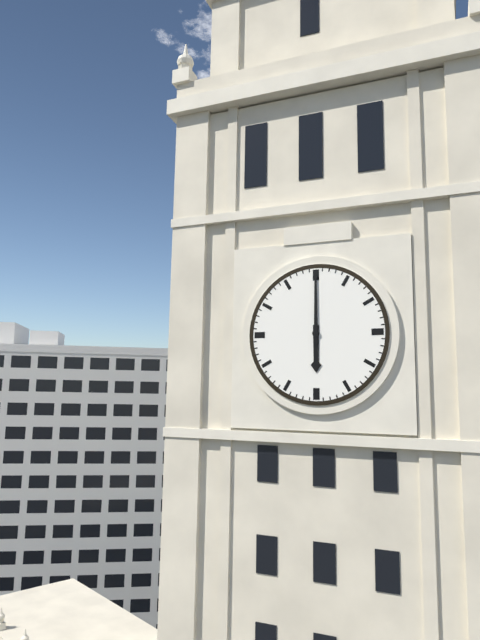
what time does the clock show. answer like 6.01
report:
6.00
